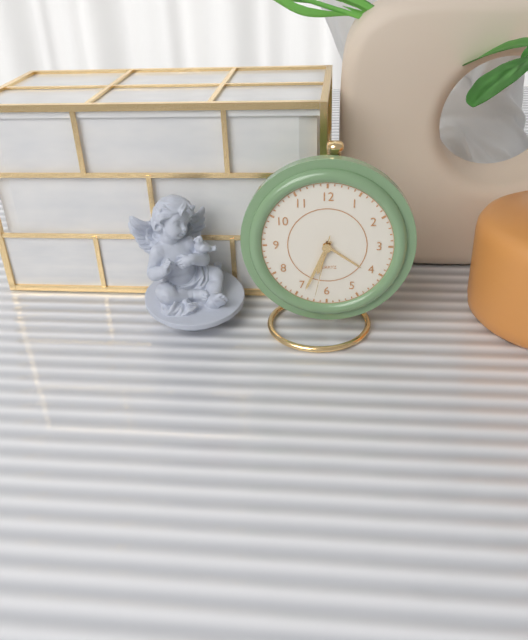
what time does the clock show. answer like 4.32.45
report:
6.34.32
